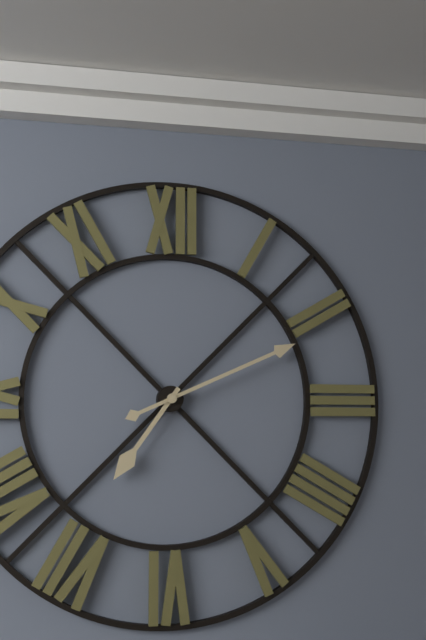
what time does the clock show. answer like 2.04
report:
7.11
